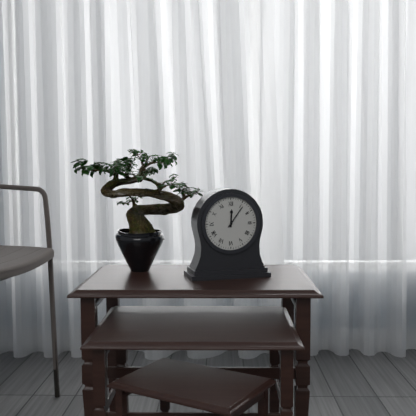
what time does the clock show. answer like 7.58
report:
12.06
